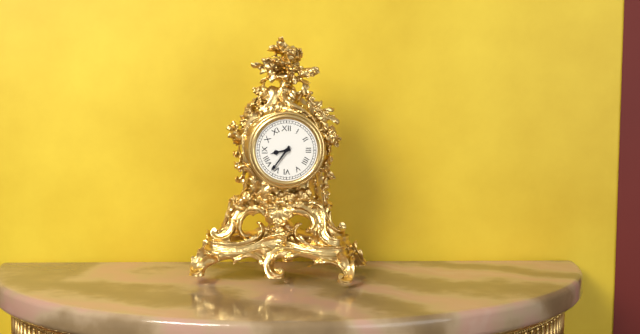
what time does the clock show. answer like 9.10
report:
8.36
